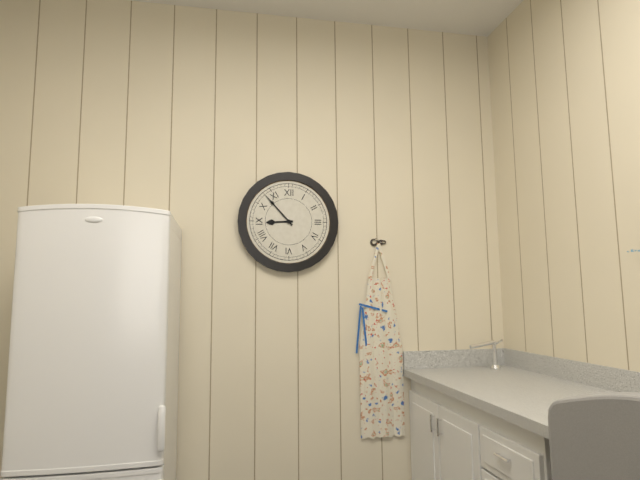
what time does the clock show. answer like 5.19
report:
8.53
